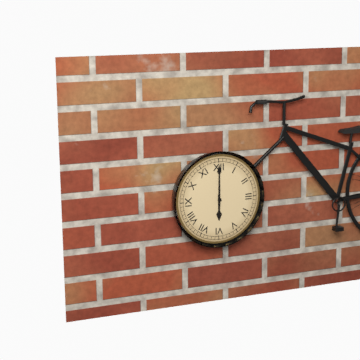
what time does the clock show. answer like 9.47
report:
6.00
